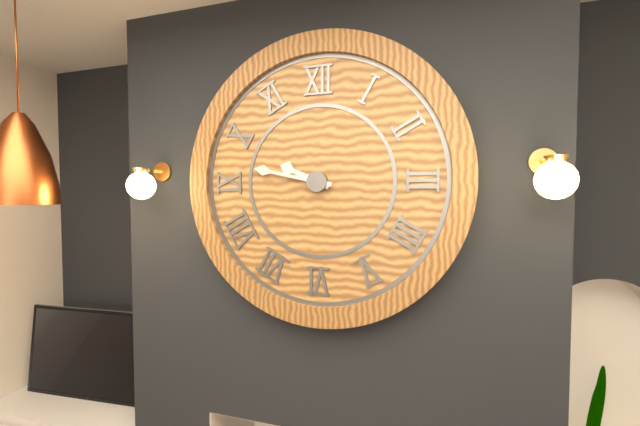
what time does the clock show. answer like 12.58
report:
9.47
